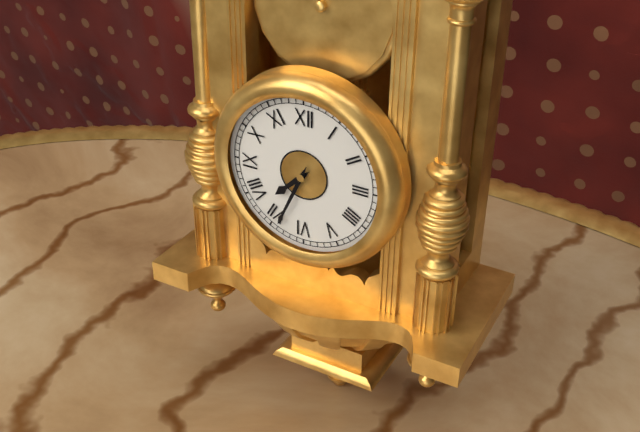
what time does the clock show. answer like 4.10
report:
7.34
